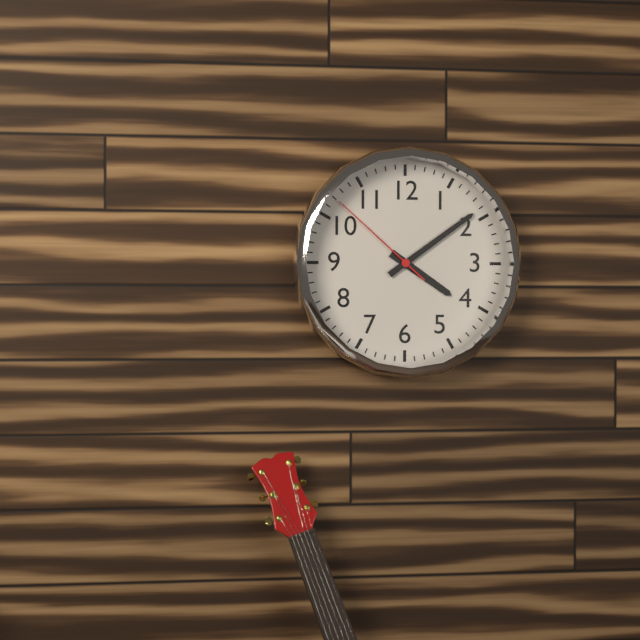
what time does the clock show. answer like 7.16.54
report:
4.09.52
